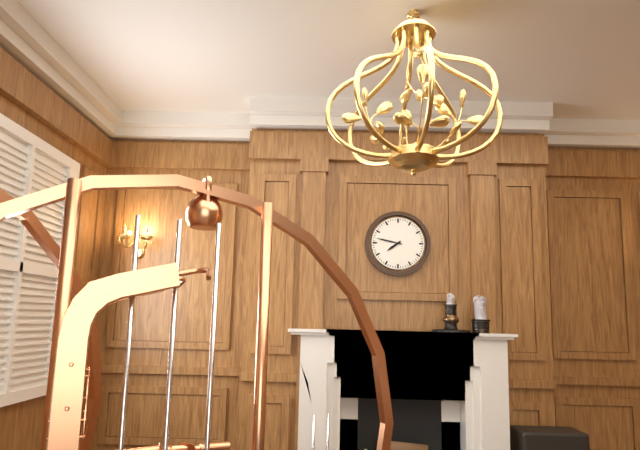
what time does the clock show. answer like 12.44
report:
7.47
